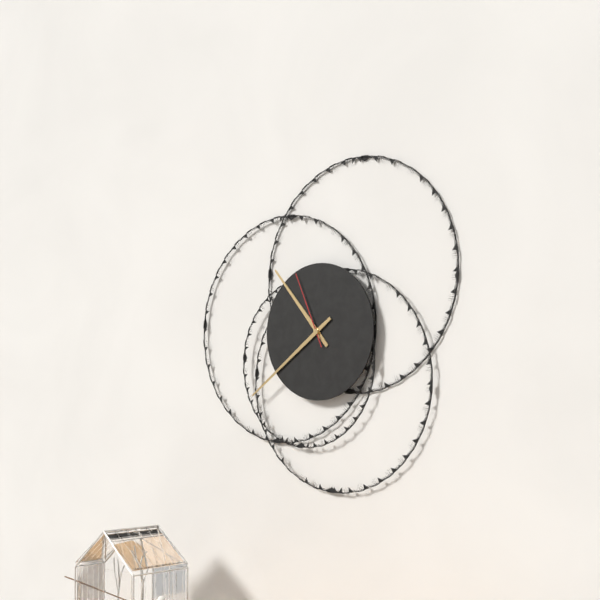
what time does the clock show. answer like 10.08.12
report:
10.39.56
